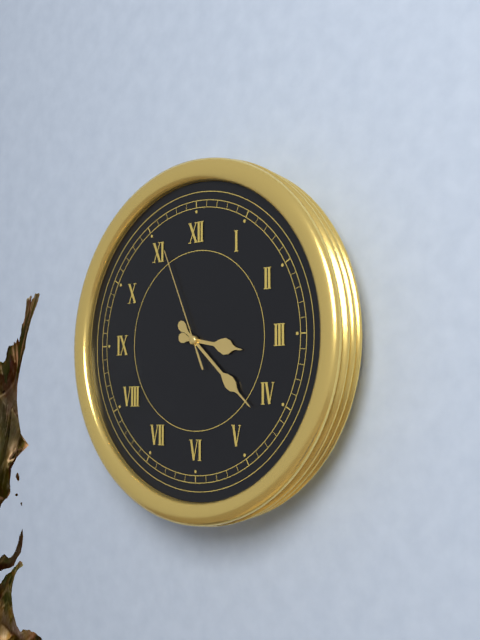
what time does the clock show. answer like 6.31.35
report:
3.22.56
